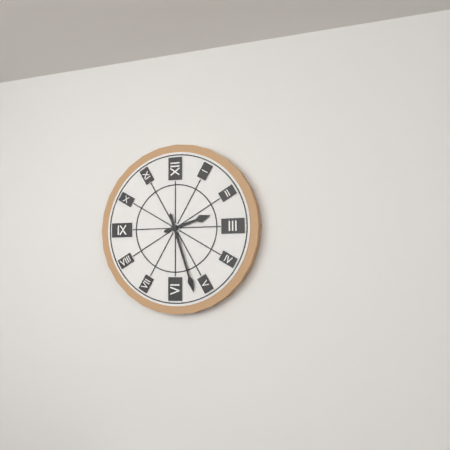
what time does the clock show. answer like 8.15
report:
2.27
